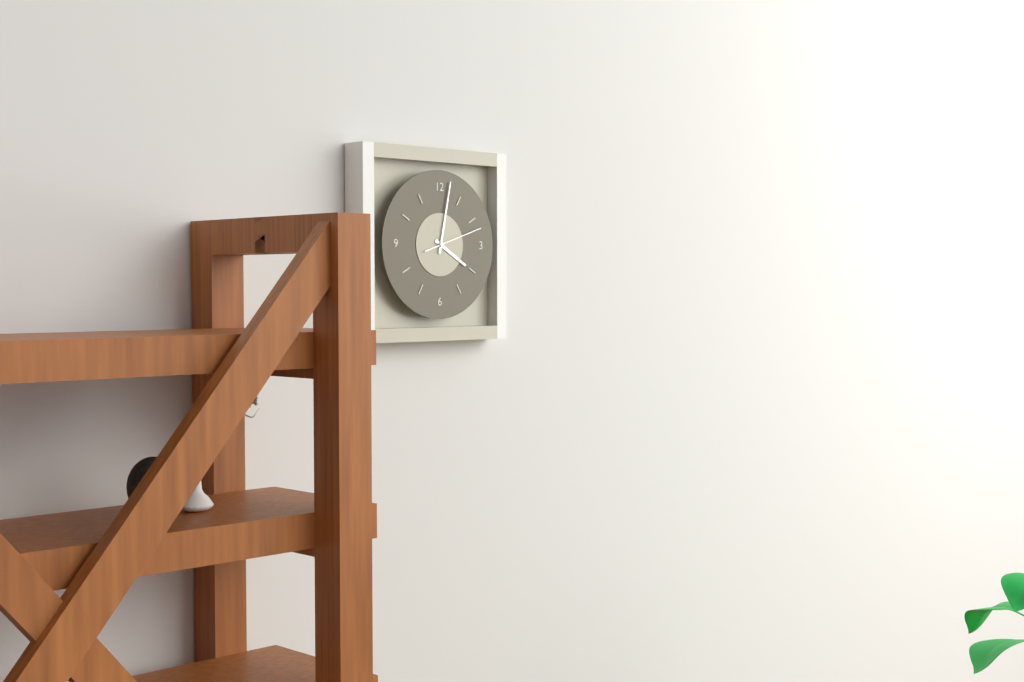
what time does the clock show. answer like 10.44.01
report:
4.02.12
